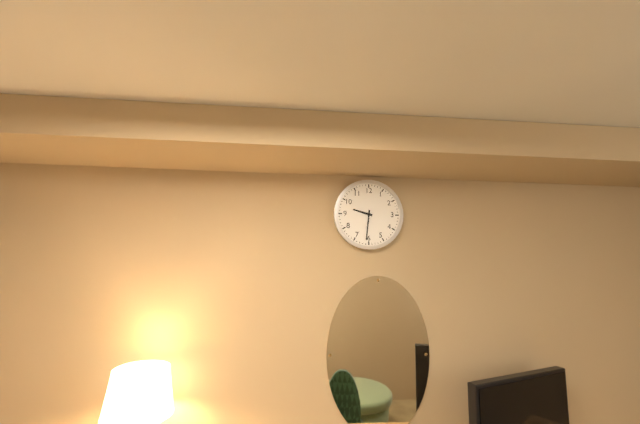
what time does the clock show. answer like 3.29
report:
9.31
